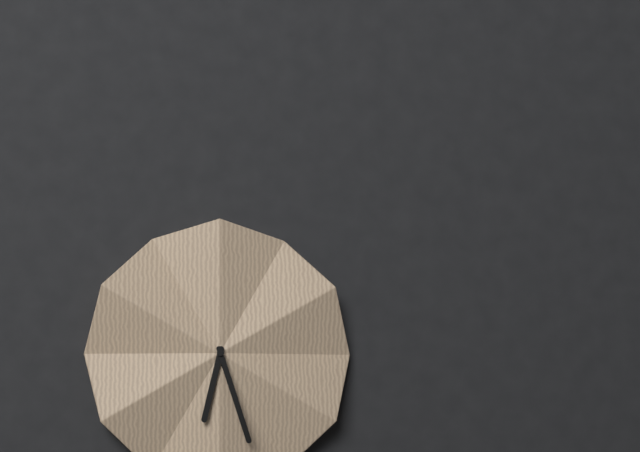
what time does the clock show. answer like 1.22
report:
6.27
